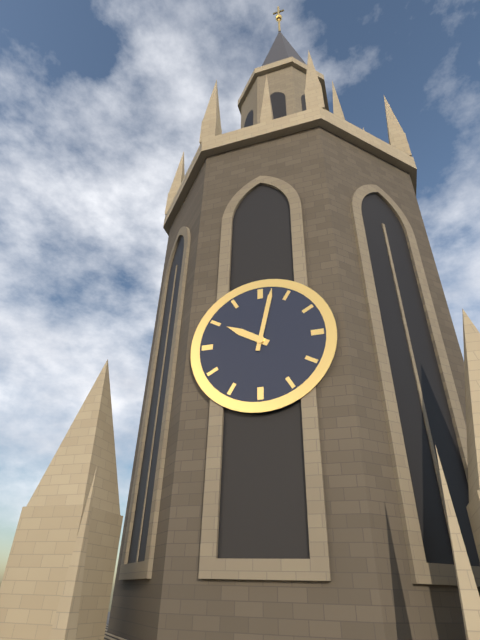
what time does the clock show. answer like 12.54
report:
10.02
